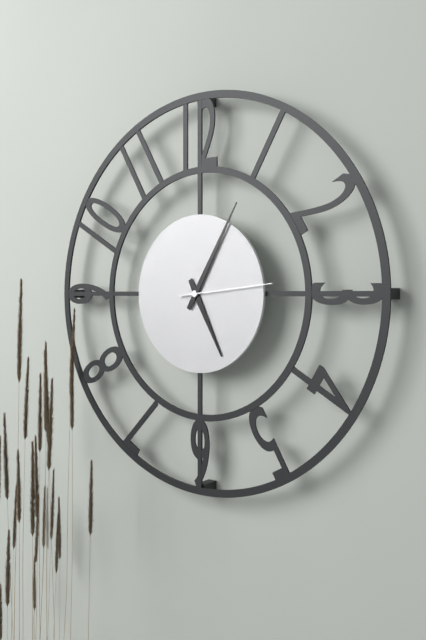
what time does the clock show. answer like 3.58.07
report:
5.05.14
